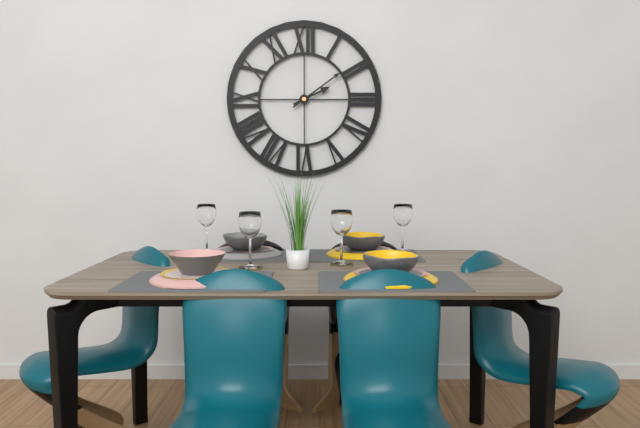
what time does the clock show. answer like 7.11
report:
2.09
